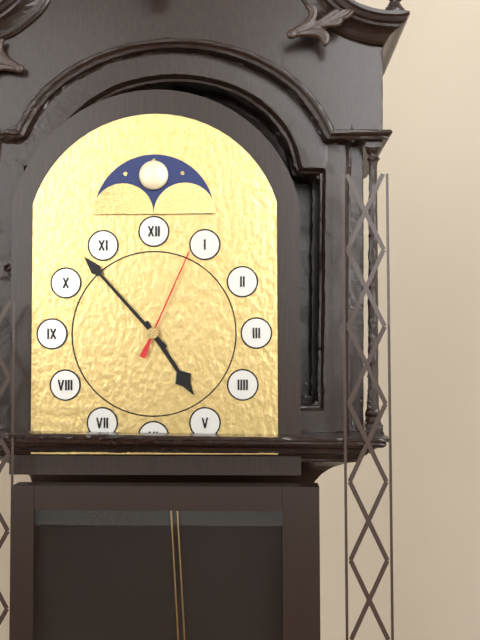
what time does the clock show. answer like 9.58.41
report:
4.53.04
